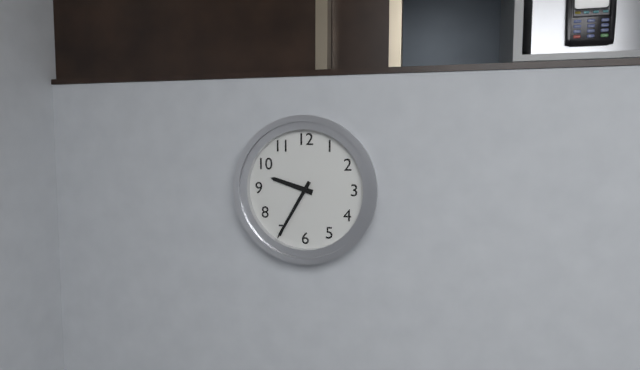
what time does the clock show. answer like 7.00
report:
9.35
